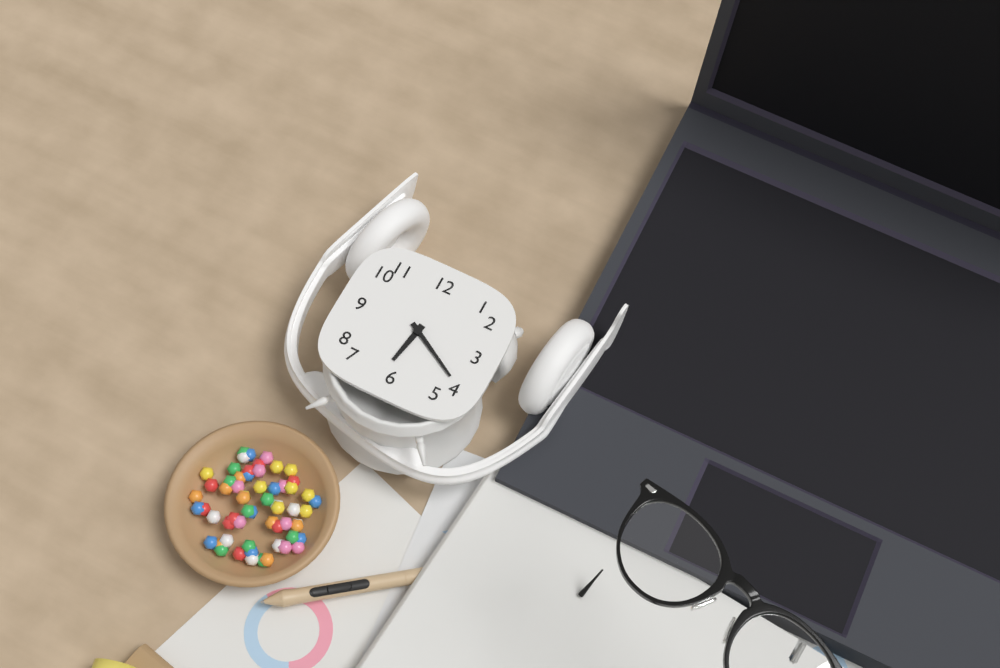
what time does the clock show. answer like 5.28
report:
6.20
